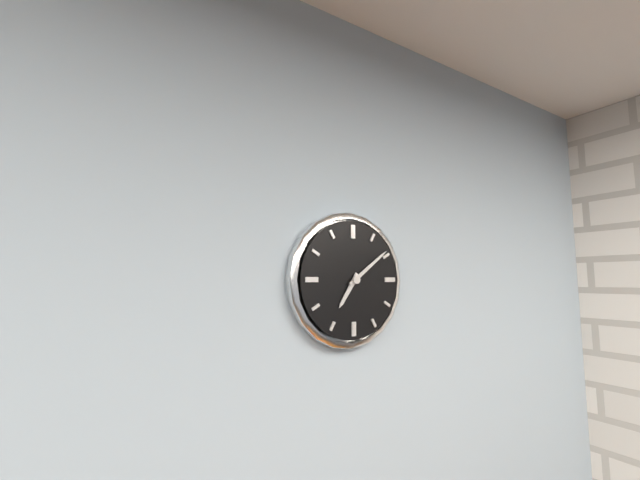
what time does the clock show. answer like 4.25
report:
7.09
